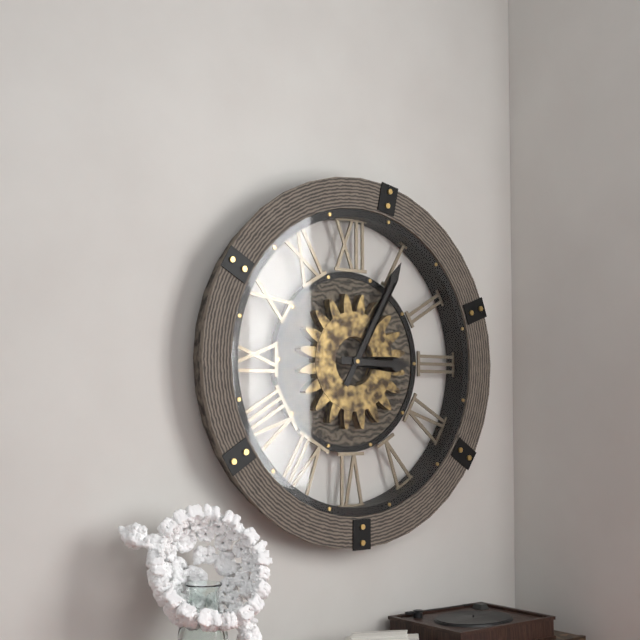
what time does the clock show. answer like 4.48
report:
3.05
